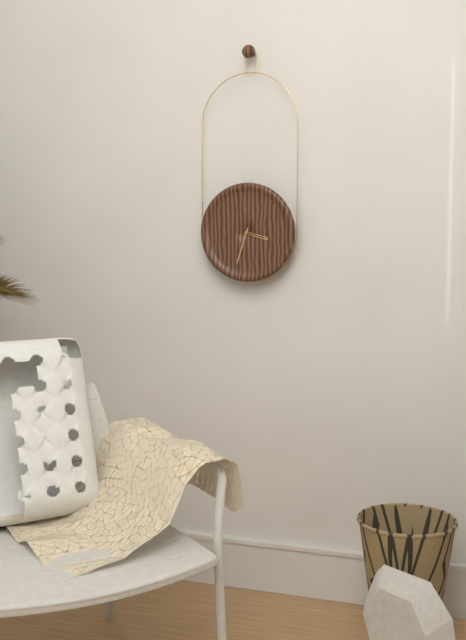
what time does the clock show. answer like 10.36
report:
3.33
